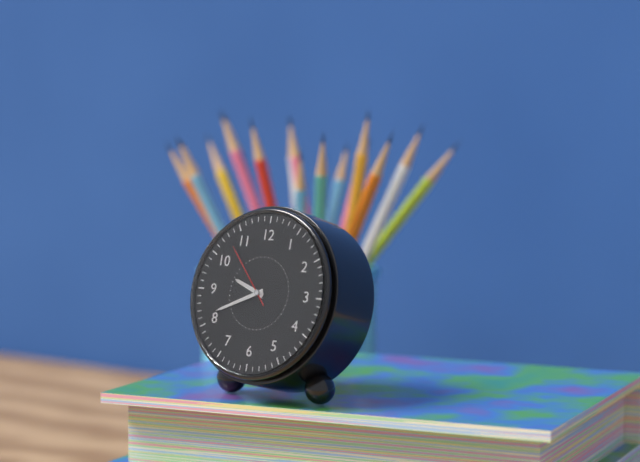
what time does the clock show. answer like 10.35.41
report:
9.41.53
